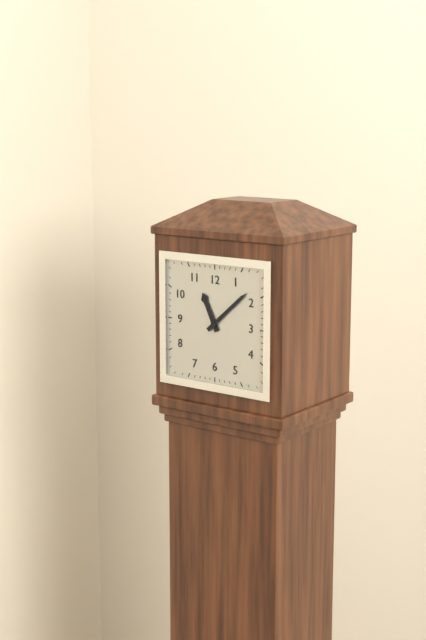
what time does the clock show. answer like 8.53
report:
11.08
